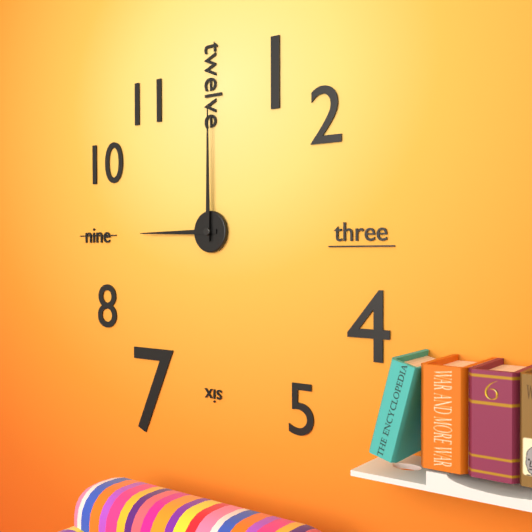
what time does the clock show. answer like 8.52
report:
9.00
